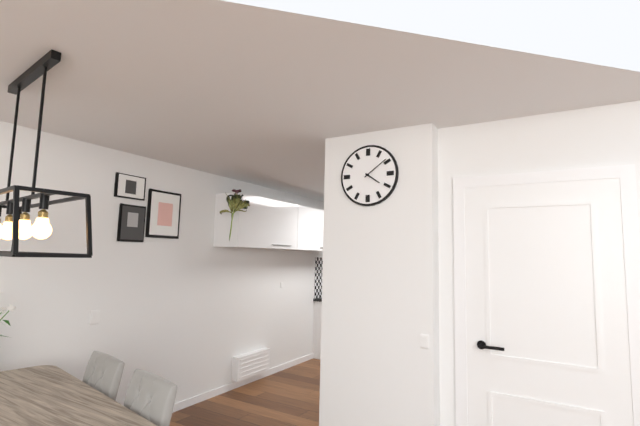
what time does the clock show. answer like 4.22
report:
4.09
